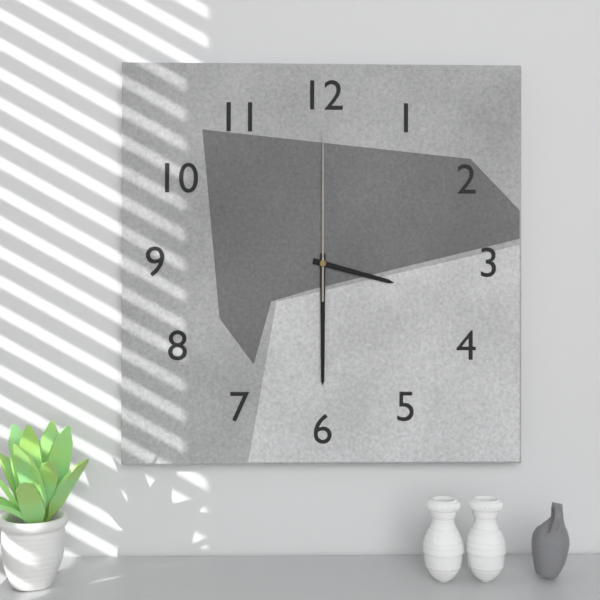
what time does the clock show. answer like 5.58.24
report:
3.30.00
